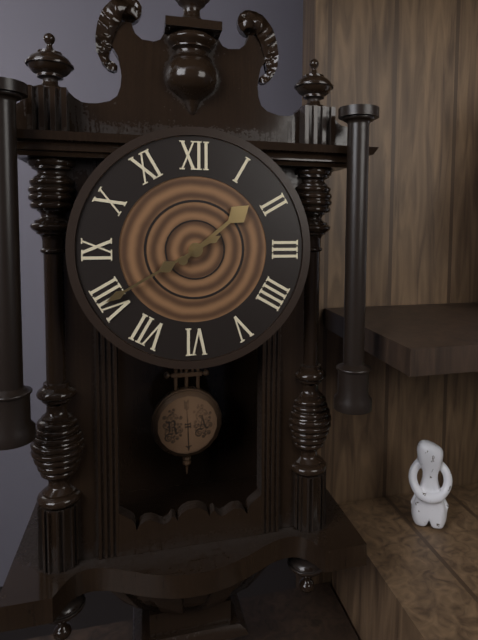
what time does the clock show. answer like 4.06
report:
1.40
